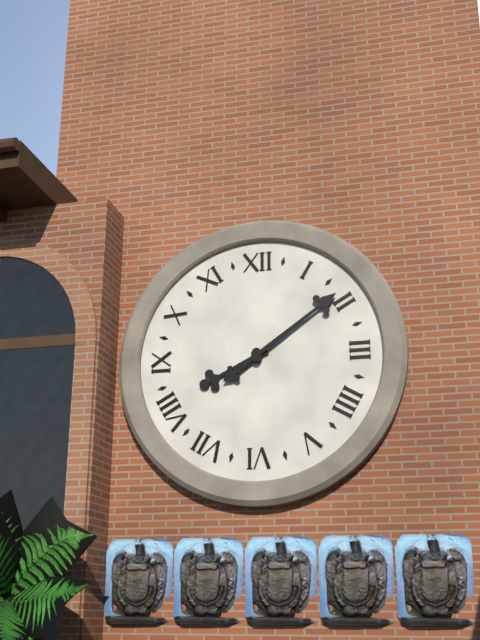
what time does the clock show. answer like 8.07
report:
8.09
